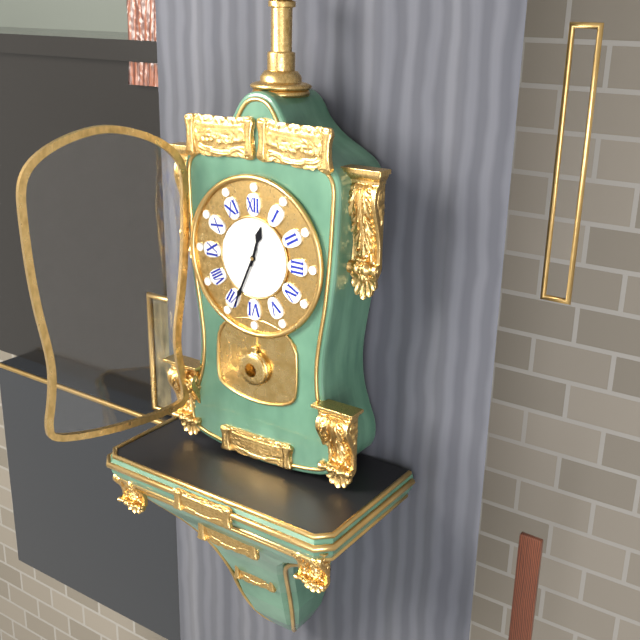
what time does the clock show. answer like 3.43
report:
12.34
